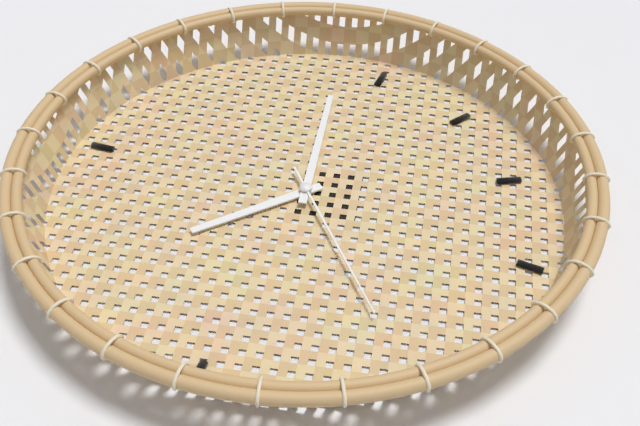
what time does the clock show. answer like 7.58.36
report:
4.45.10
